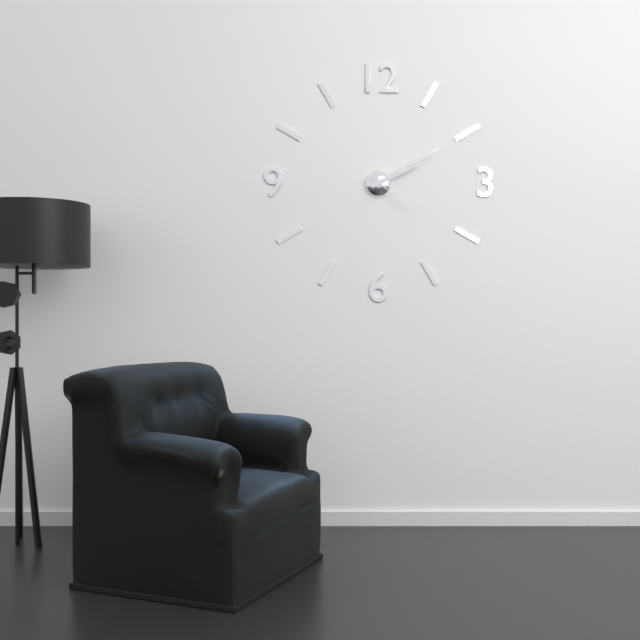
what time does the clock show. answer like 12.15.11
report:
2.10.21
